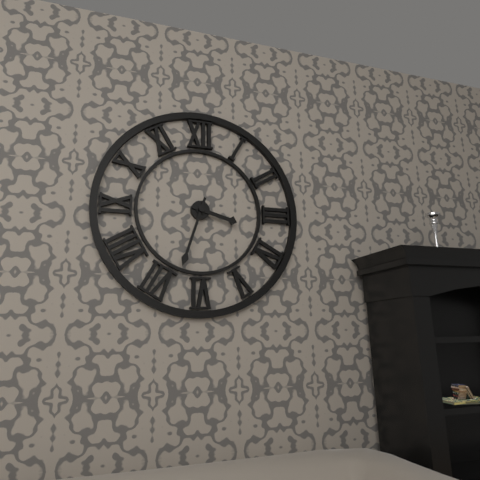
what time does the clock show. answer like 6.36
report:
3.33
